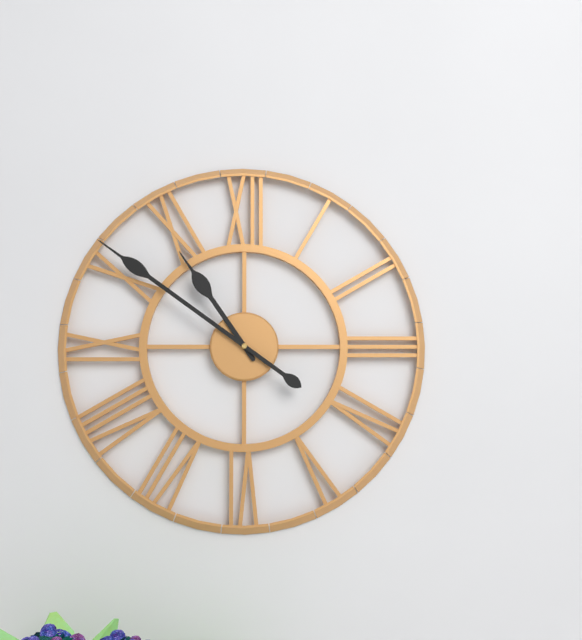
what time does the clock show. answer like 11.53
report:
10.51
